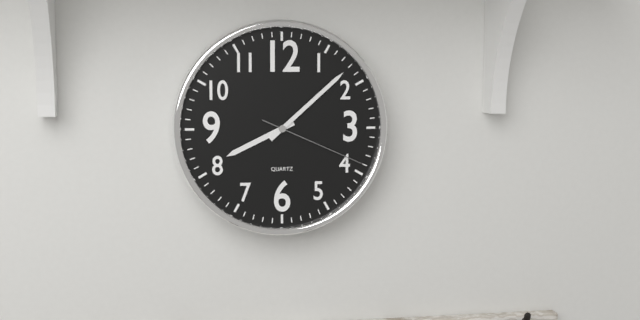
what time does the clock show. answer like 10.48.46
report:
8.08.19
